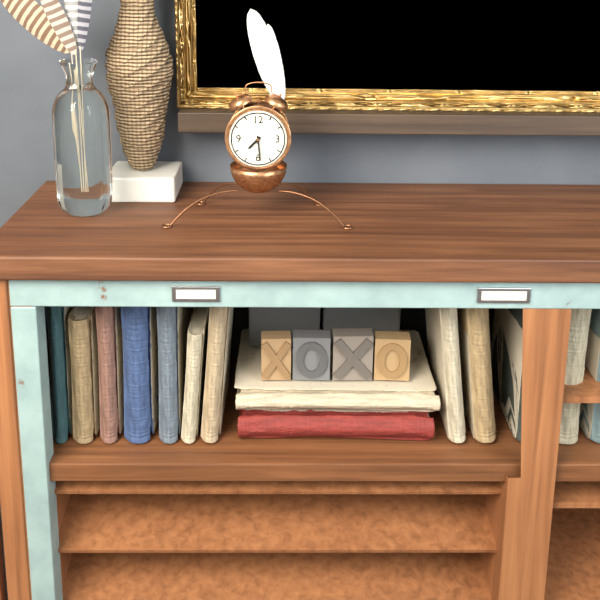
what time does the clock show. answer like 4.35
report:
7.29
